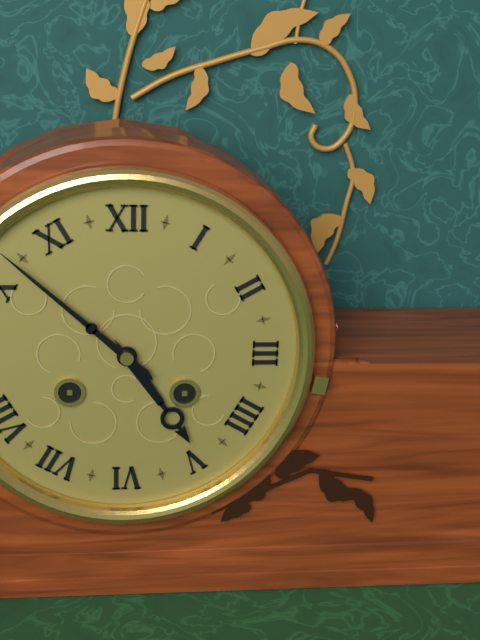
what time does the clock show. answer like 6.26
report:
4.52
